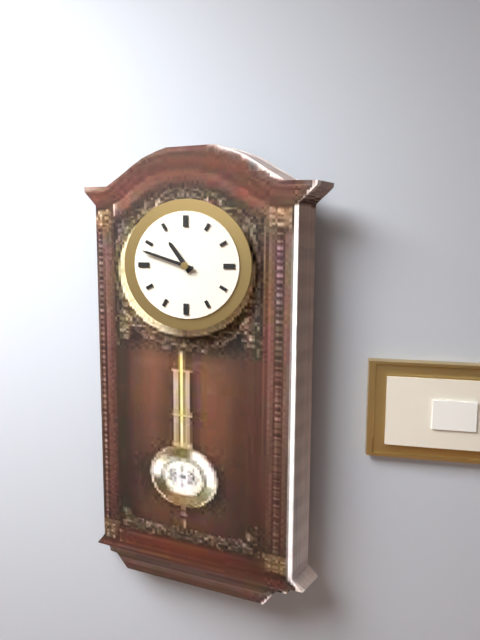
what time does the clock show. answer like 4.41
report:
10.48
